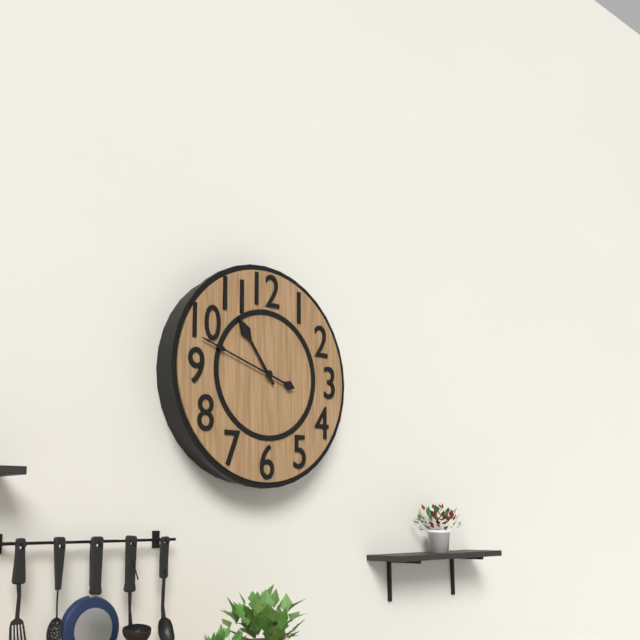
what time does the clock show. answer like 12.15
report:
10.48
